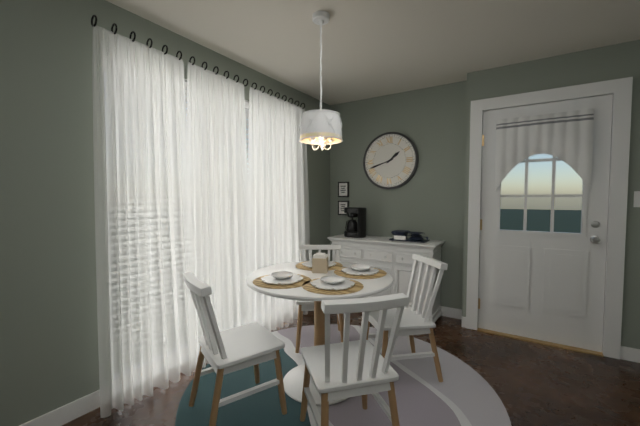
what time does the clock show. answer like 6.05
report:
1.42
